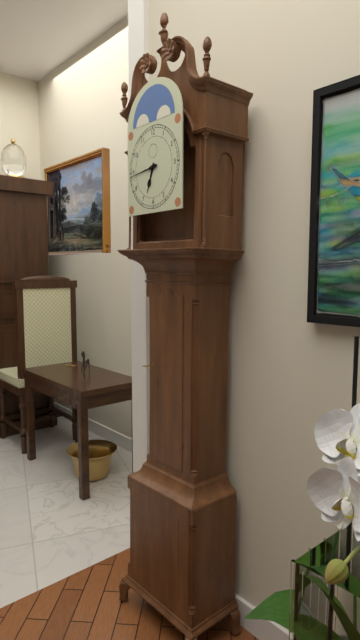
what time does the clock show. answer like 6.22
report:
6.44
